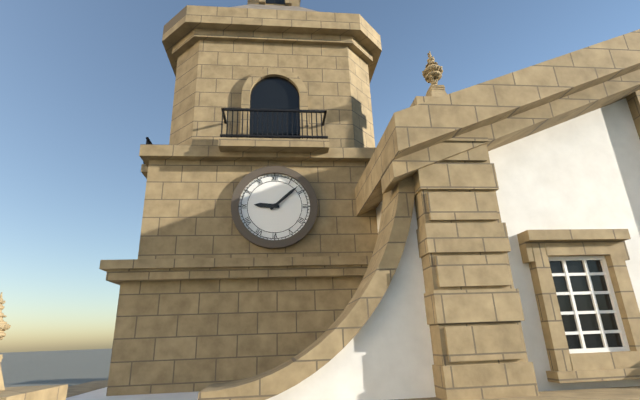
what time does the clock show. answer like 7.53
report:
9.08
